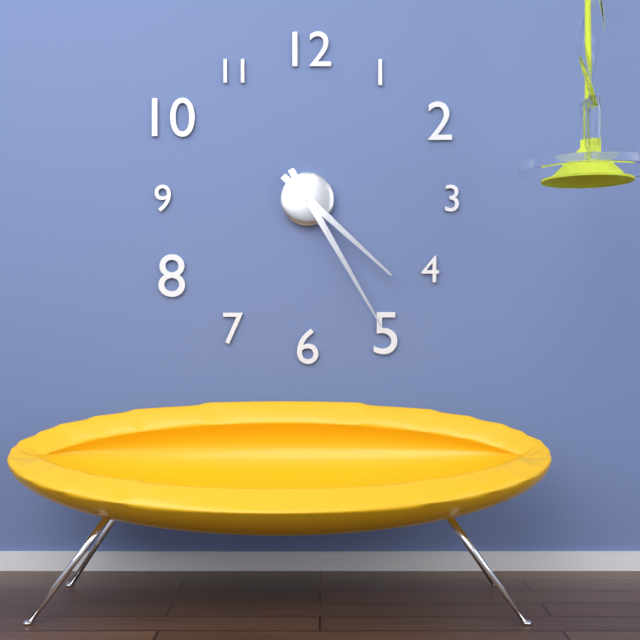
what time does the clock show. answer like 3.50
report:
4.25
